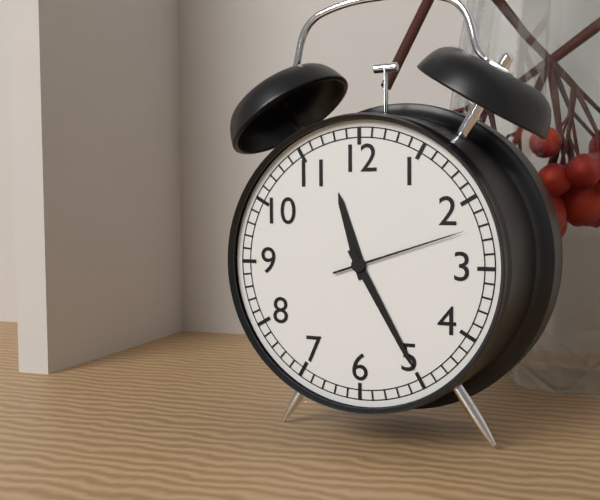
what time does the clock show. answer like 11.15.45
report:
11.25.12
